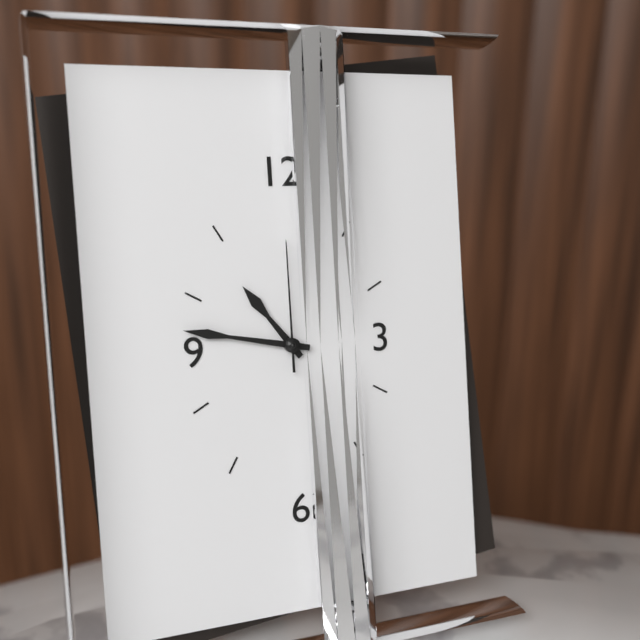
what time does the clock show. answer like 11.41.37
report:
10.47.00
